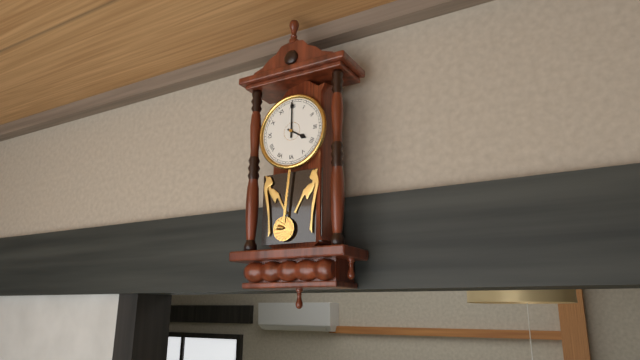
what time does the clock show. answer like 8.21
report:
4.00
